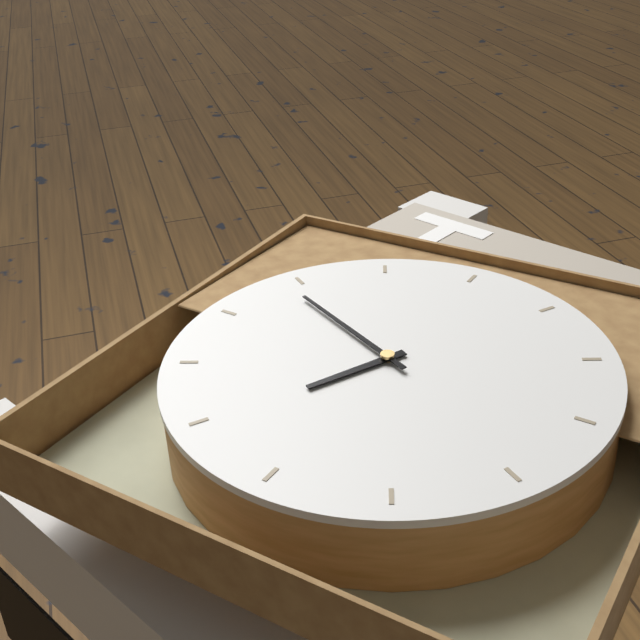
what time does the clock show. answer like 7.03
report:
7.54
